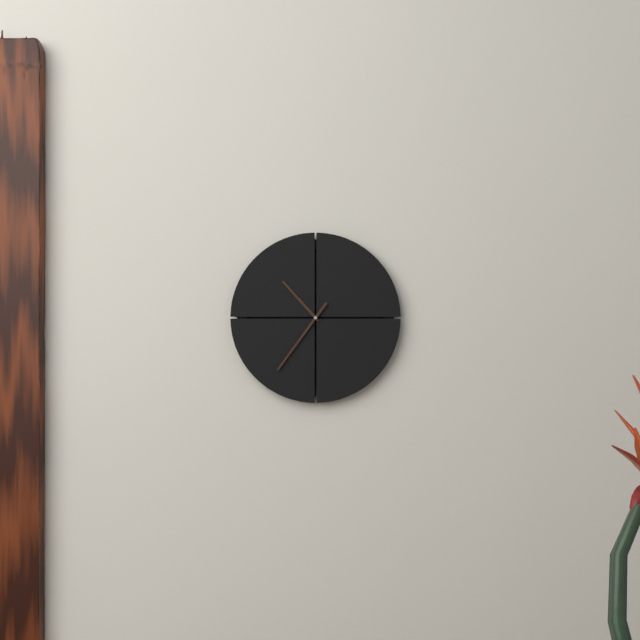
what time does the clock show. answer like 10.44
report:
10.36
